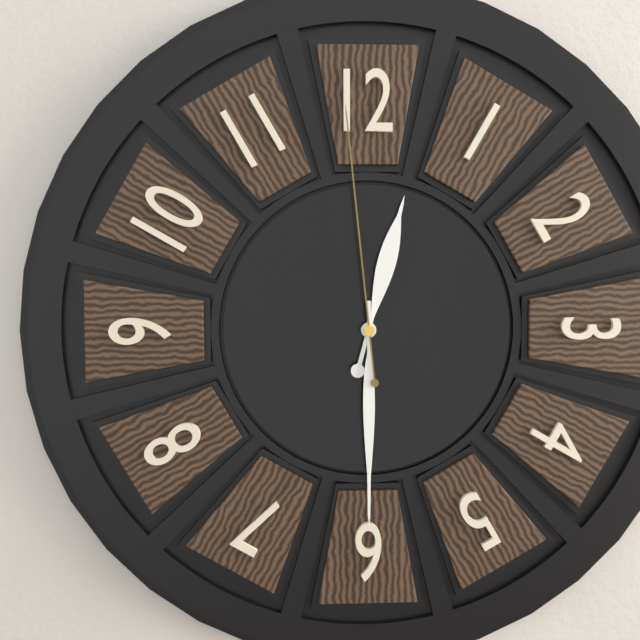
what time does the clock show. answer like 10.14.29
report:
12.30.59
